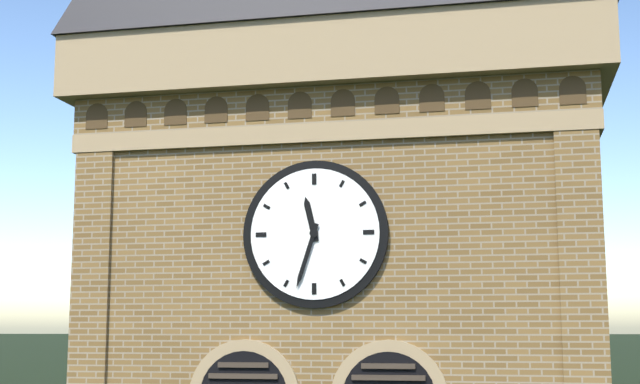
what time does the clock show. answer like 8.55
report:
11.33
